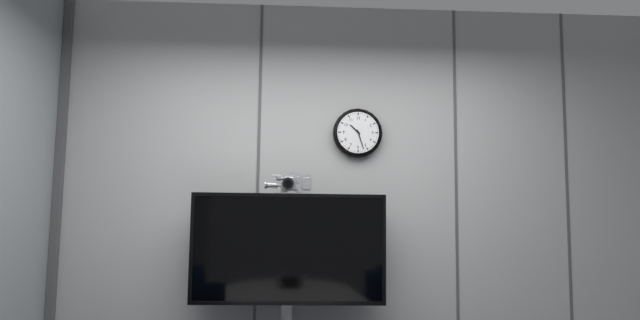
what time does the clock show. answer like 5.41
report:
10.27
